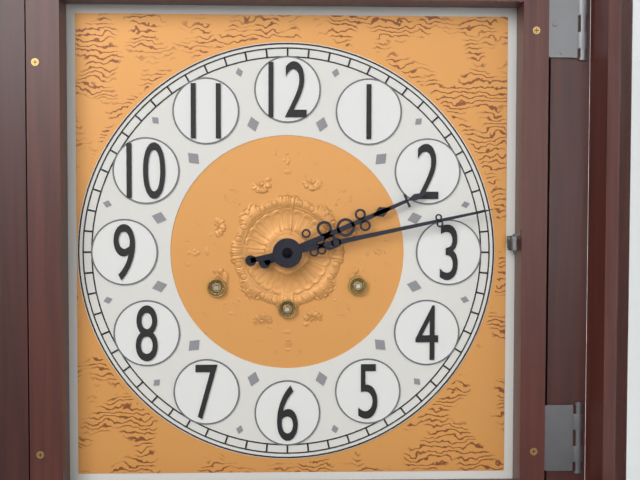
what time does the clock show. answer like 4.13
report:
2.13
